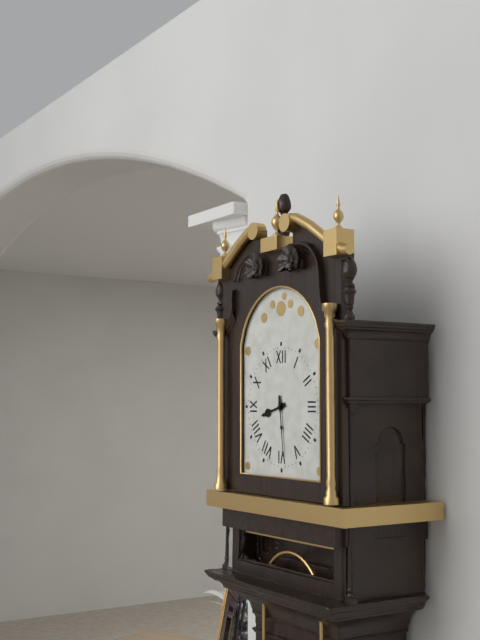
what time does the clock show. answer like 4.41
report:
8.29
